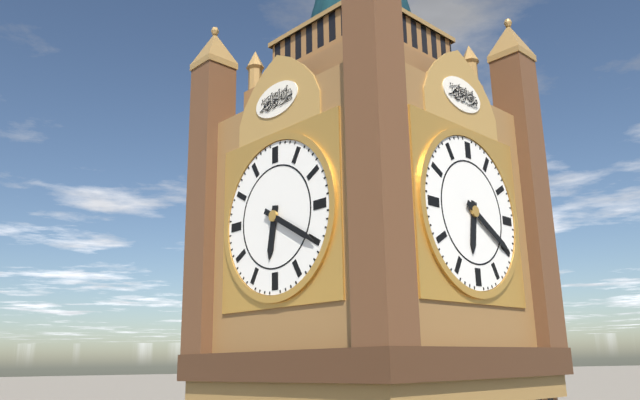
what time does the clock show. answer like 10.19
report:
6.20
